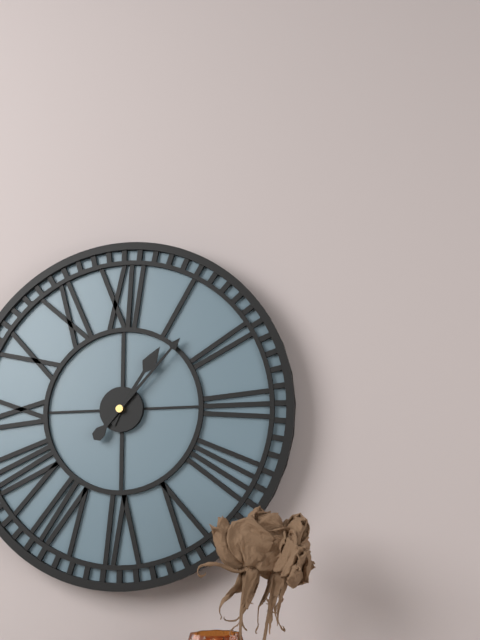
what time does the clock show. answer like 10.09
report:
1.07
